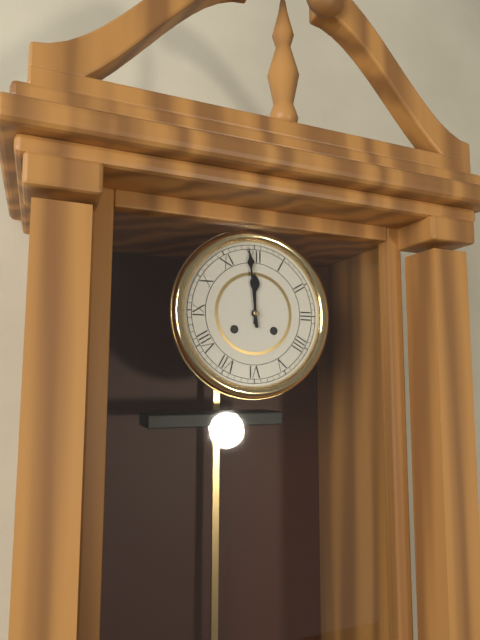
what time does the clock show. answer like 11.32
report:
11.59
